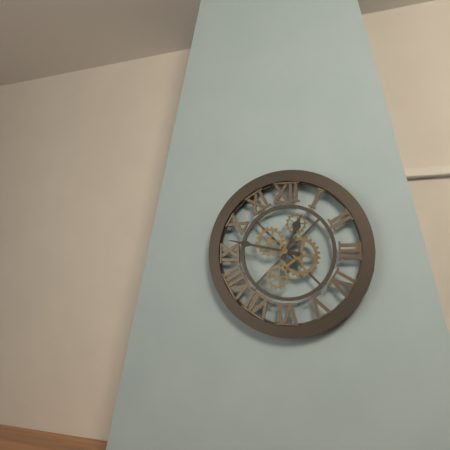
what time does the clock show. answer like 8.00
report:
12.47
